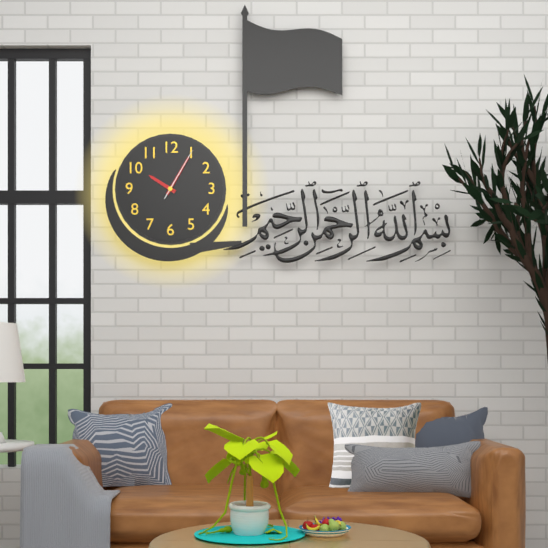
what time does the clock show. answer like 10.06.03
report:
10.05.05
